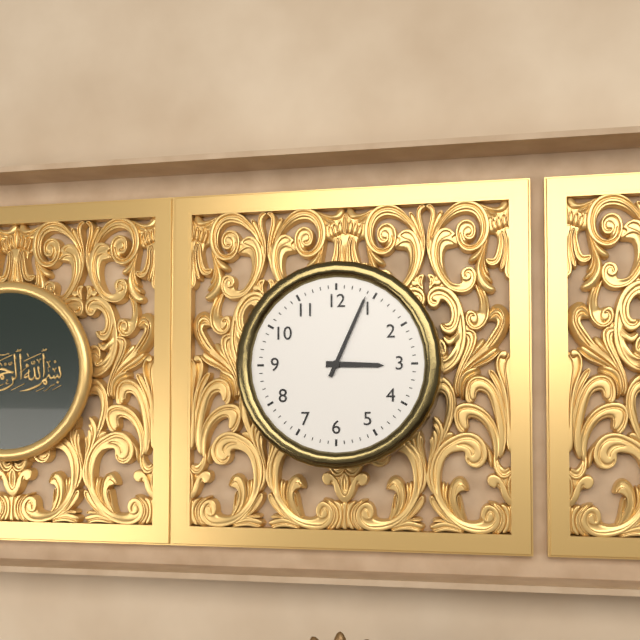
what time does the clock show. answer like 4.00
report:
3.04
